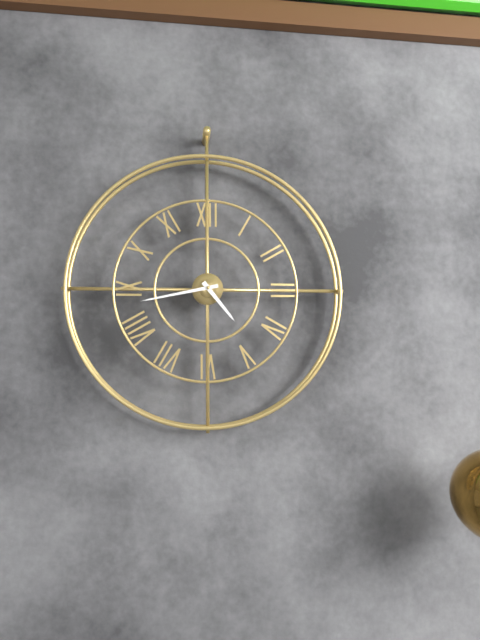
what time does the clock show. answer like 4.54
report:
4.43
